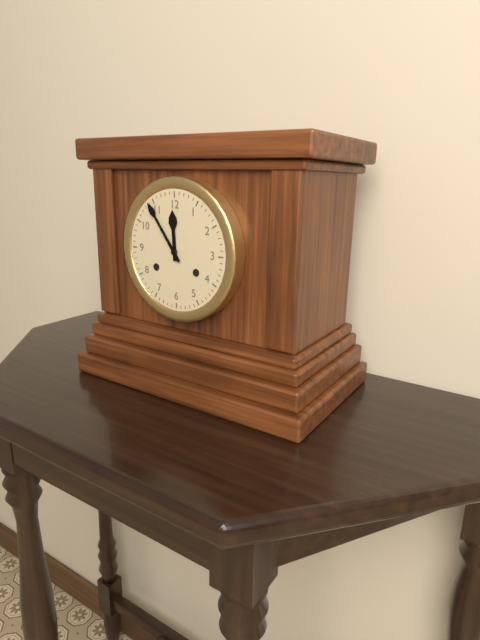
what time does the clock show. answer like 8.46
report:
11.54
